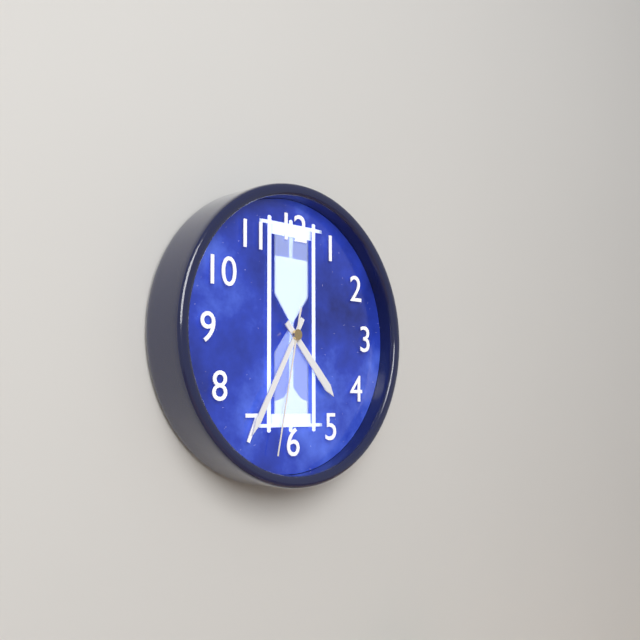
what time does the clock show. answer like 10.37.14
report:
4.35.32
